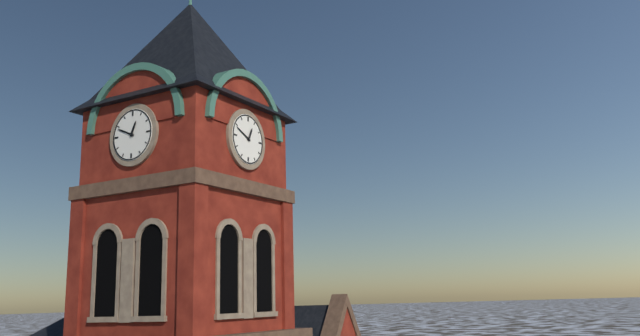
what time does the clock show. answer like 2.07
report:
12.49
